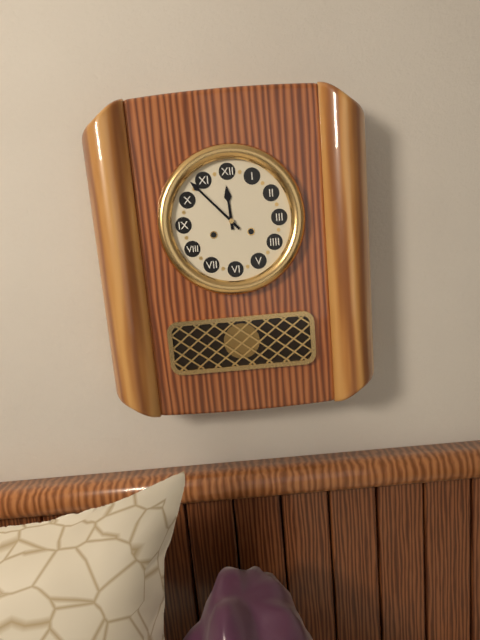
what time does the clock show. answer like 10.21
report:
11.53
